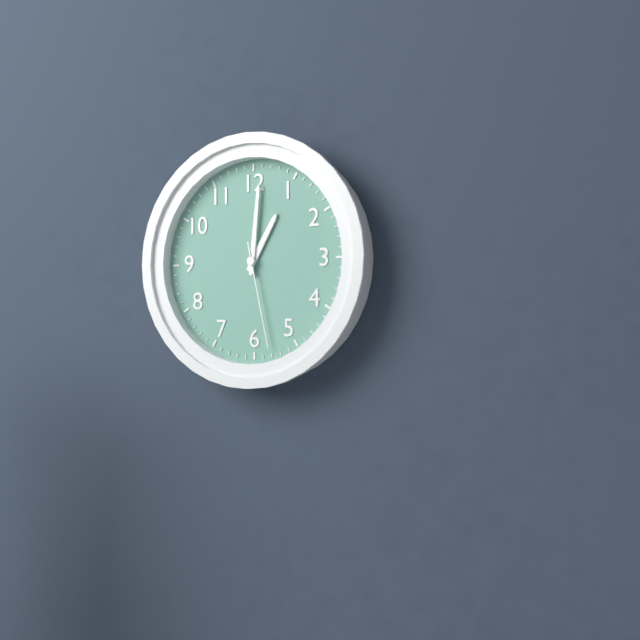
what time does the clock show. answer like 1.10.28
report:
1.01.28
